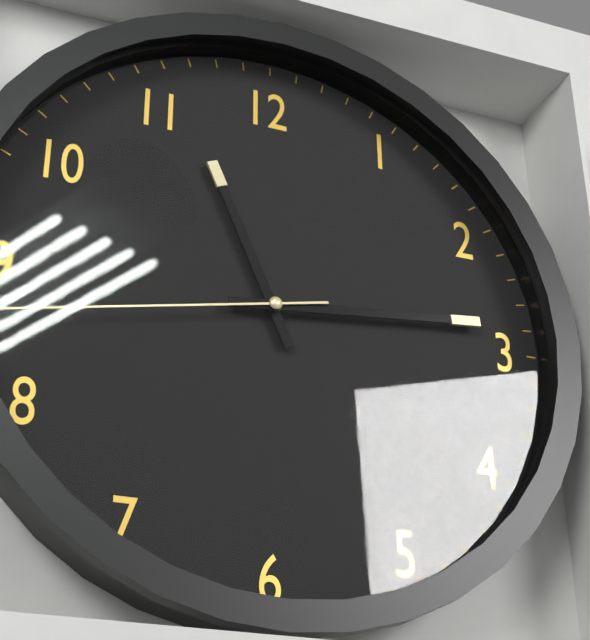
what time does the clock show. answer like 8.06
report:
11.14
